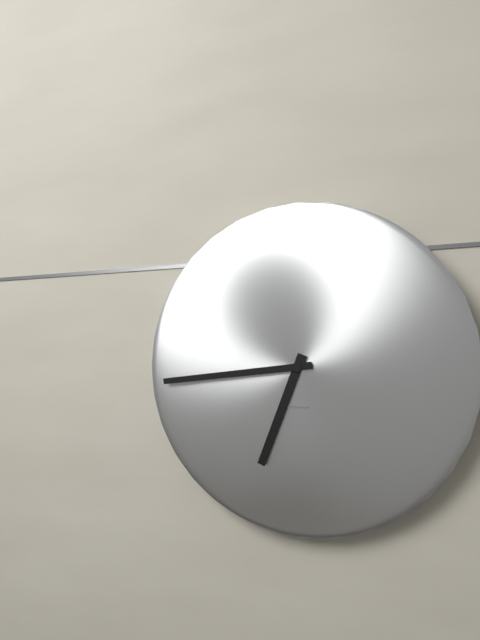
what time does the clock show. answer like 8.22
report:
6.44
